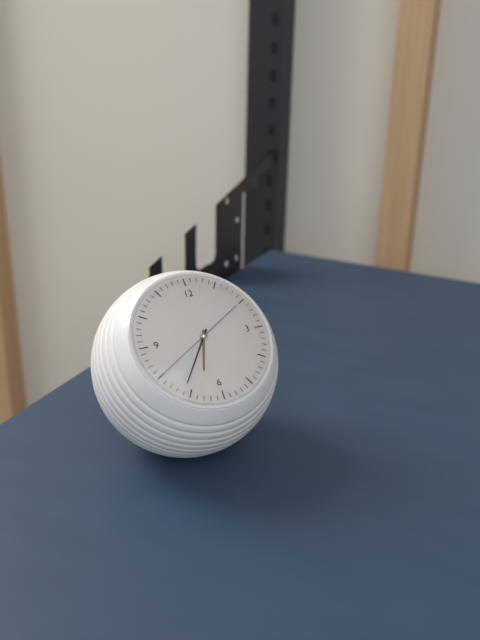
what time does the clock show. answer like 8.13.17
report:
6.36.40
